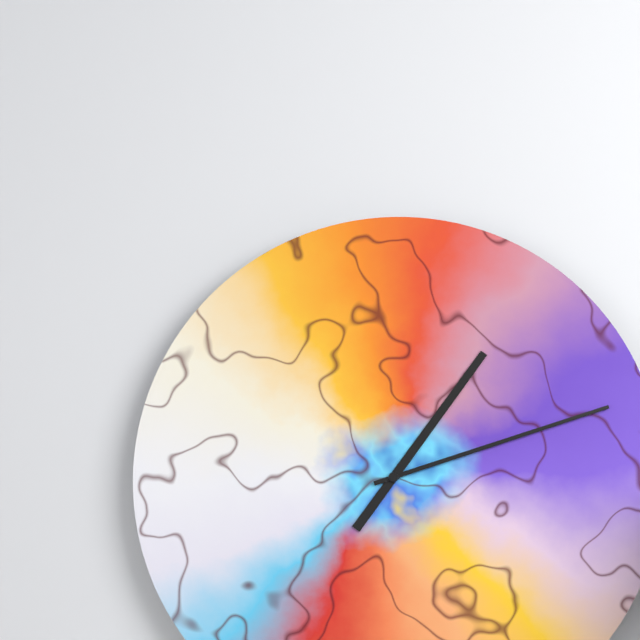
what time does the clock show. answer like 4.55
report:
1.12
